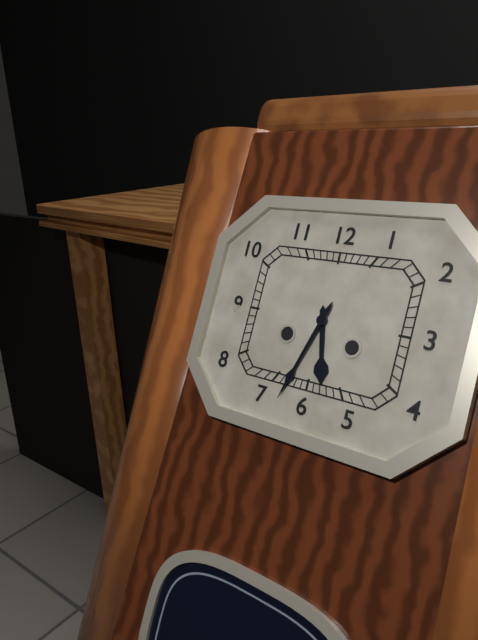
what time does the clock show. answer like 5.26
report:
5.33
